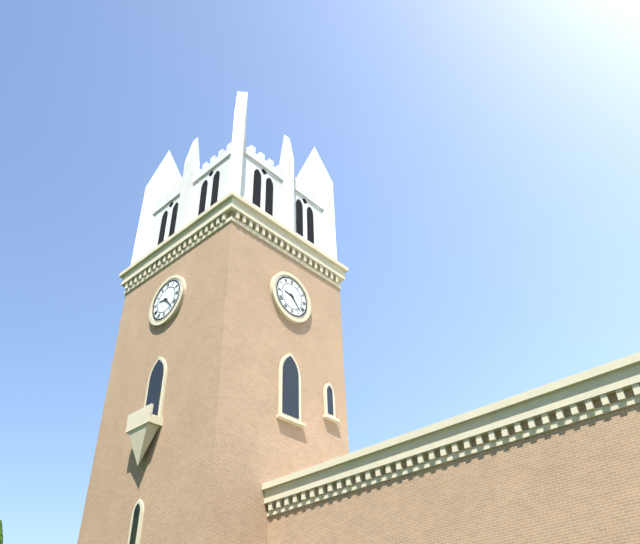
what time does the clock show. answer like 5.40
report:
9.23
